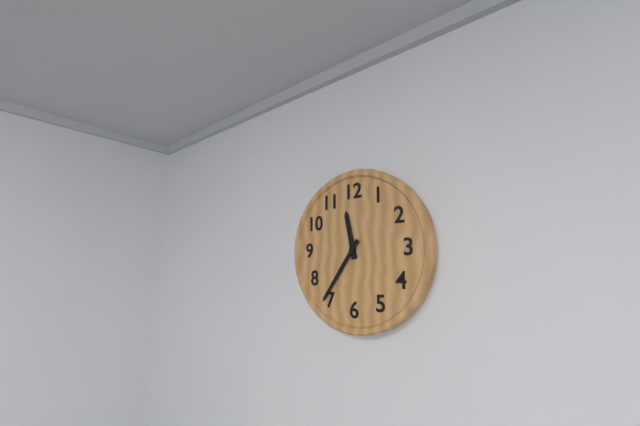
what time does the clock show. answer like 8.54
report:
11.36
